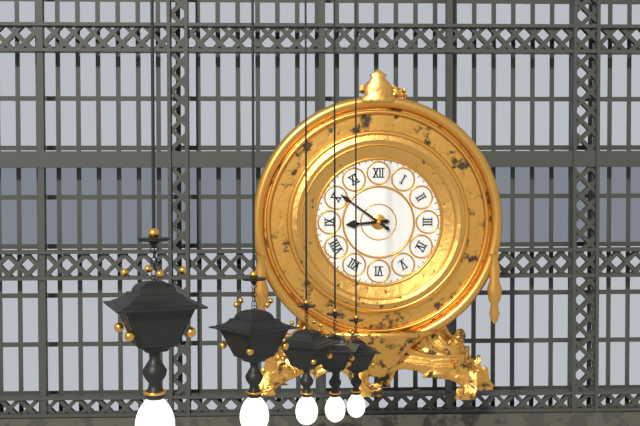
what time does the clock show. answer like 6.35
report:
8.51
